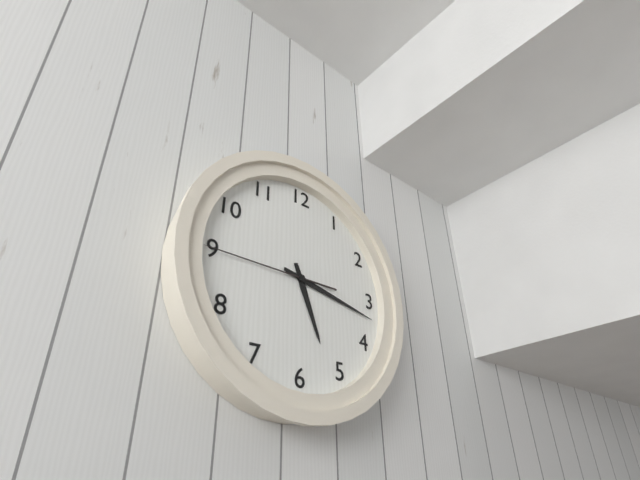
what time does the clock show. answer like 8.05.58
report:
5.17.45
